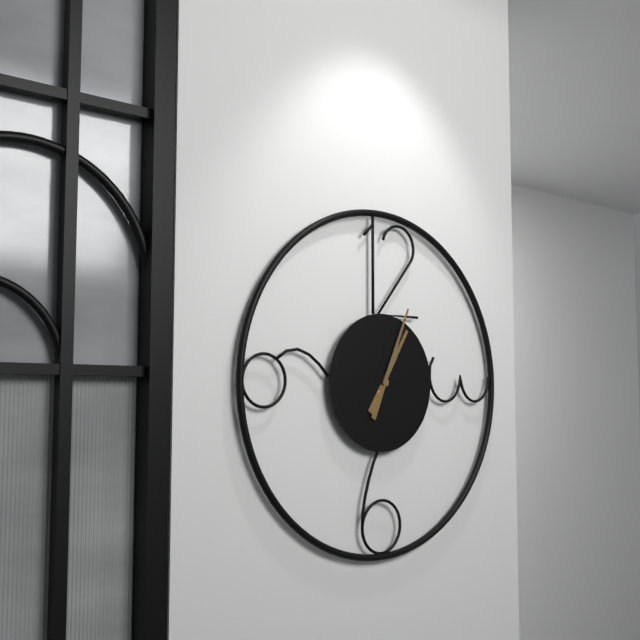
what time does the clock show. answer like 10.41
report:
1.04
